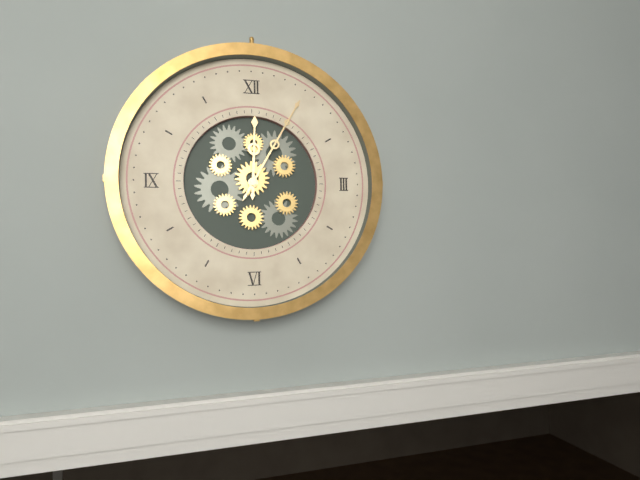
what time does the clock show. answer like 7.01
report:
12.05
